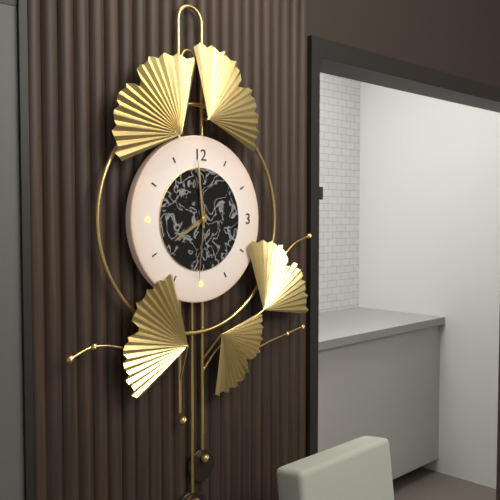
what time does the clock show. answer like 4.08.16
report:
7.59.31
